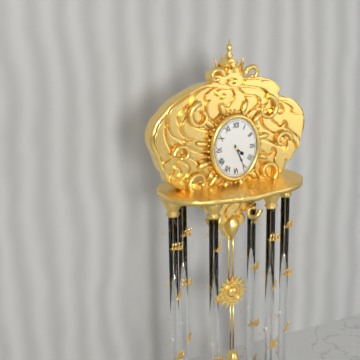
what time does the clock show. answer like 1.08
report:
4.26
